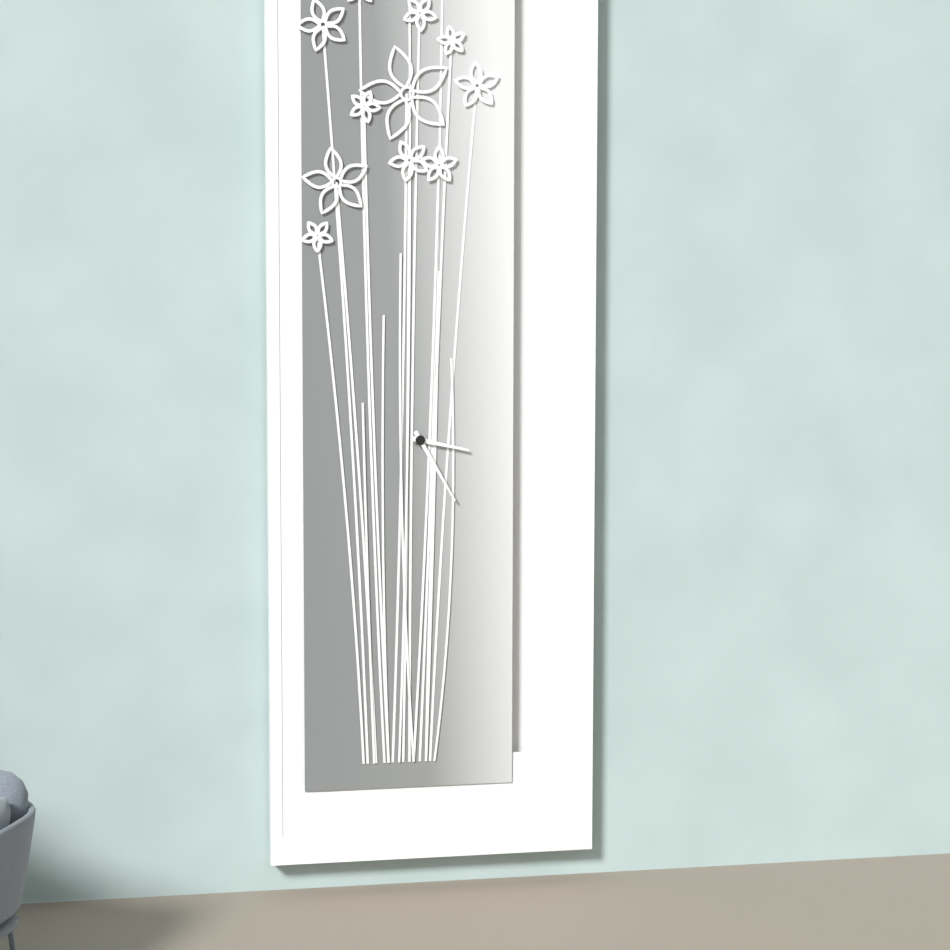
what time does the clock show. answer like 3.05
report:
3.25
